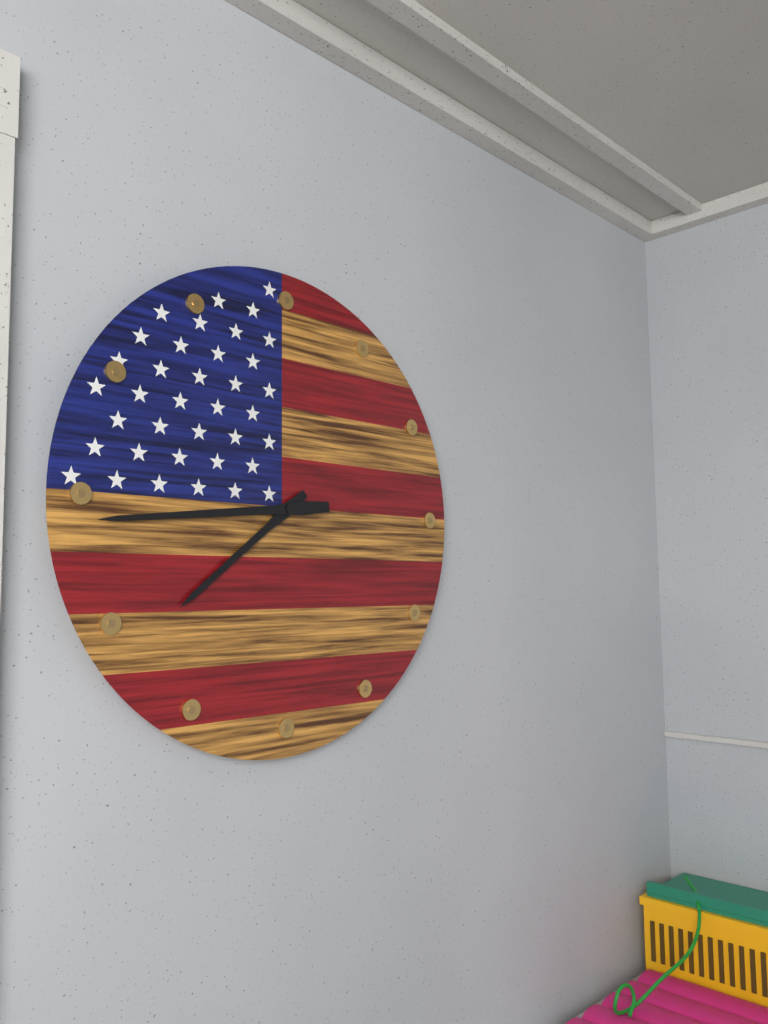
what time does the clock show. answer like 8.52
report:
7.44
